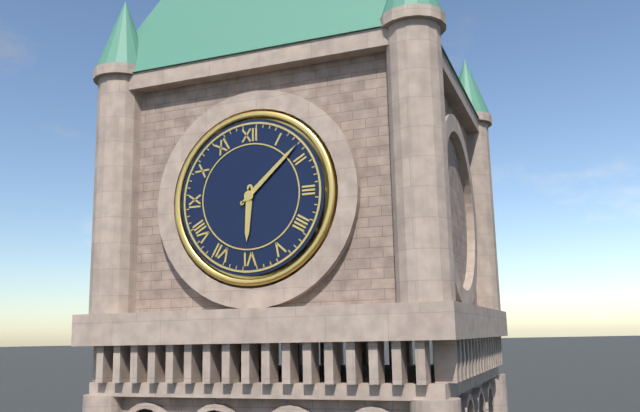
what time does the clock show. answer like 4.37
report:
6.08
